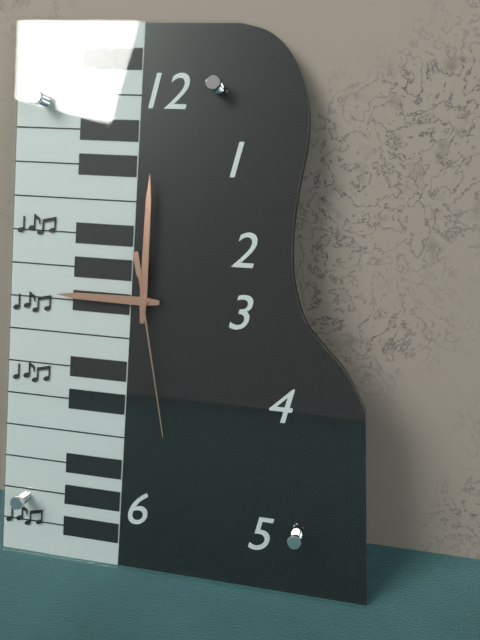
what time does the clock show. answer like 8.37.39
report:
9.00.28
